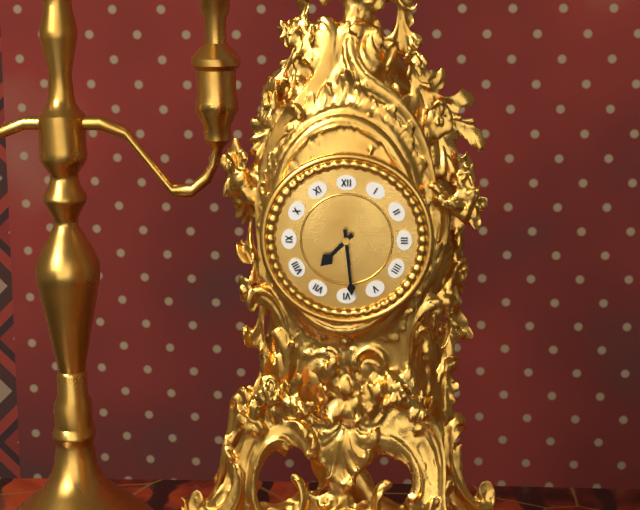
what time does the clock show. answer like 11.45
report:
7.29
